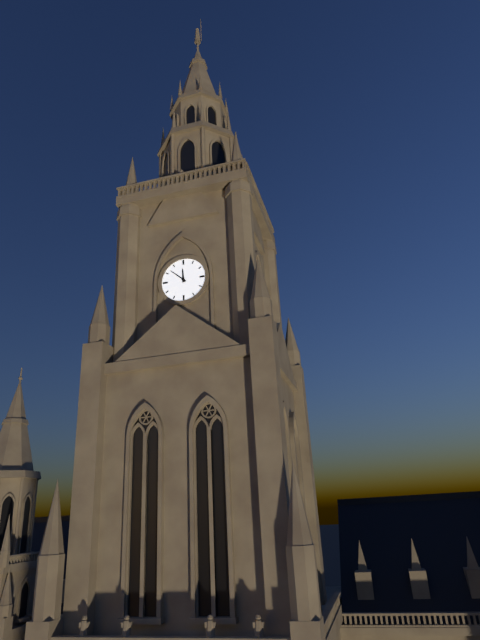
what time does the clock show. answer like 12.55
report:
11.52
